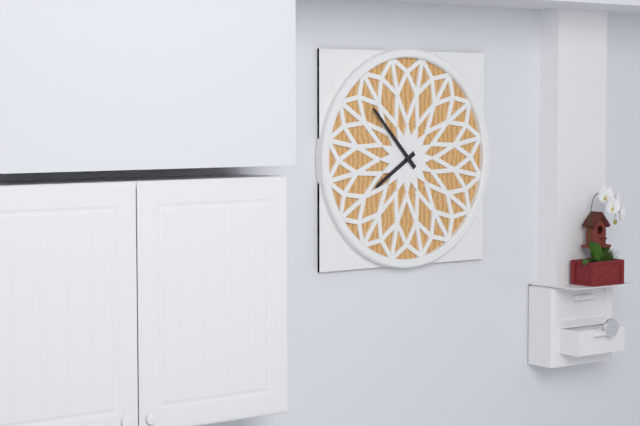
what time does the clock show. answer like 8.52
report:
7.53
